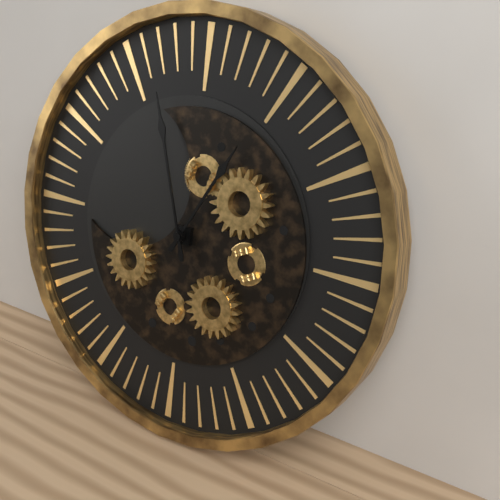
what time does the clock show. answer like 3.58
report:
12.57
